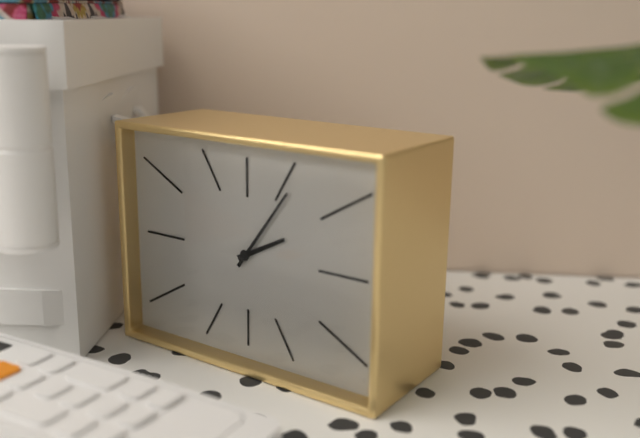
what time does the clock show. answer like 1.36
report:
2.06
